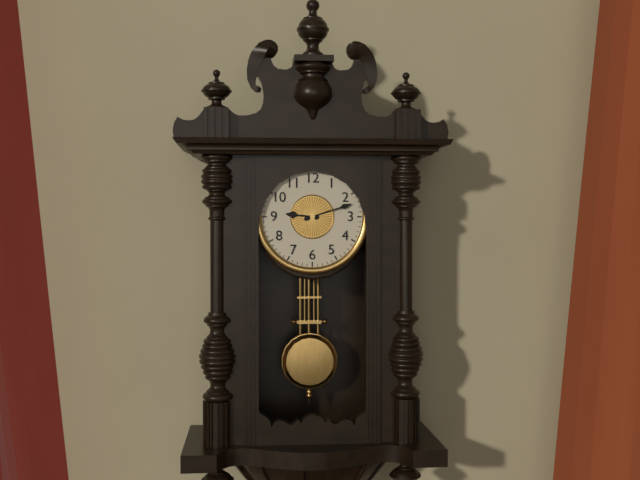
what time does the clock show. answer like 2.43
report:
9.12
